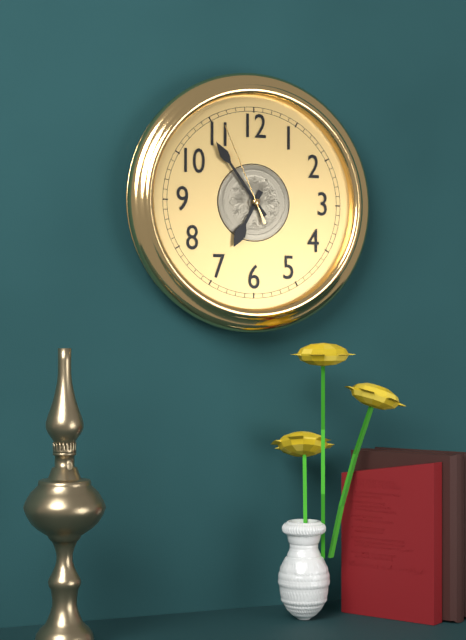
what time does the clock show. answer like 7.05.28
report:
6.54.56
